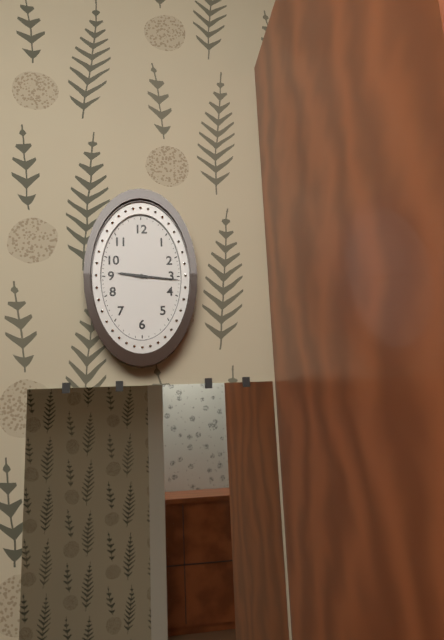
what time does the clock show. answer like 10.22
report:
9.16
